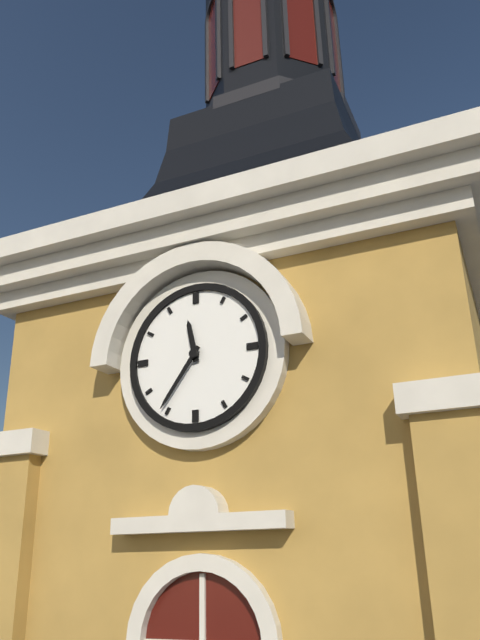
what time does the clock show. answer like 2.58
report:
11.36
